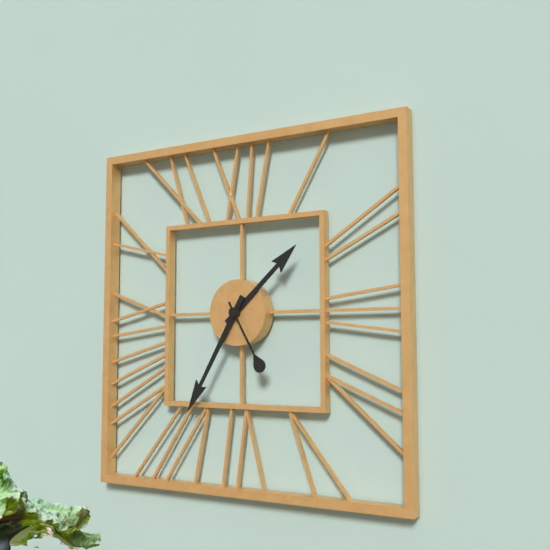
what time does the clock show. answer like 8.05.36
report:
1.35.25
